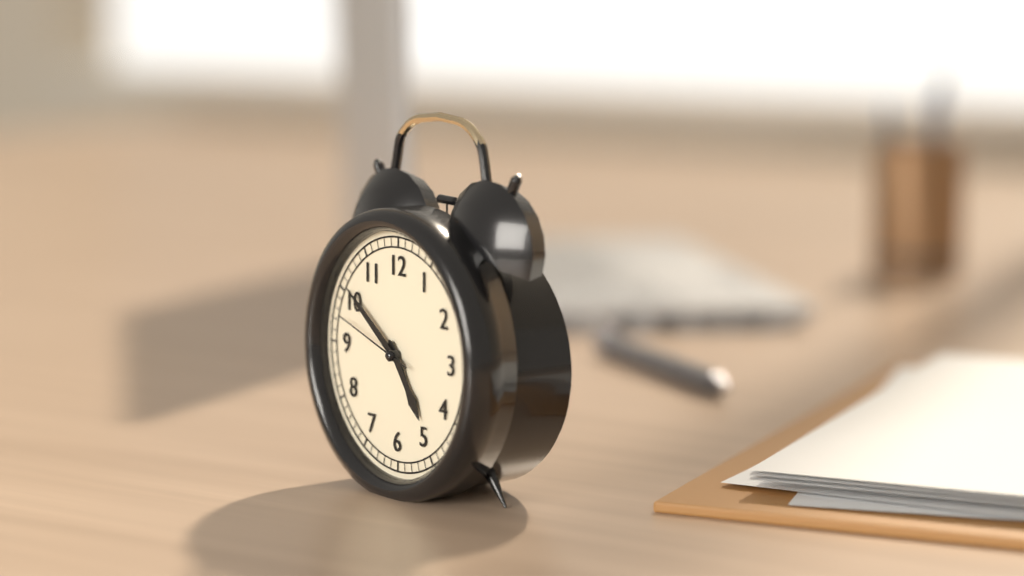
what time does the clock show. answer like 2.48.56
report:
4.51.48
